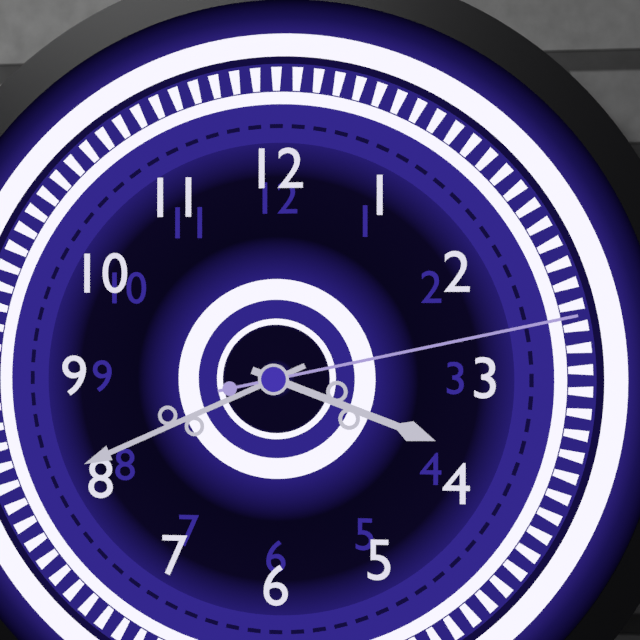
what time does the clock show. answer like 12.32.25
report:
3.41.13
